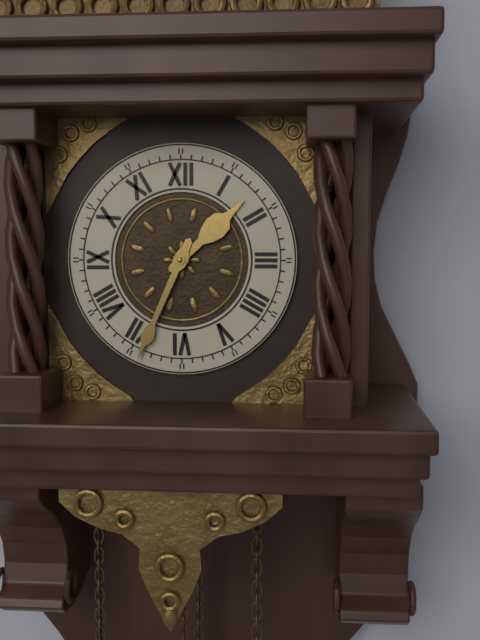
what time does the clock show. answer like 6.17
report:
1.34
